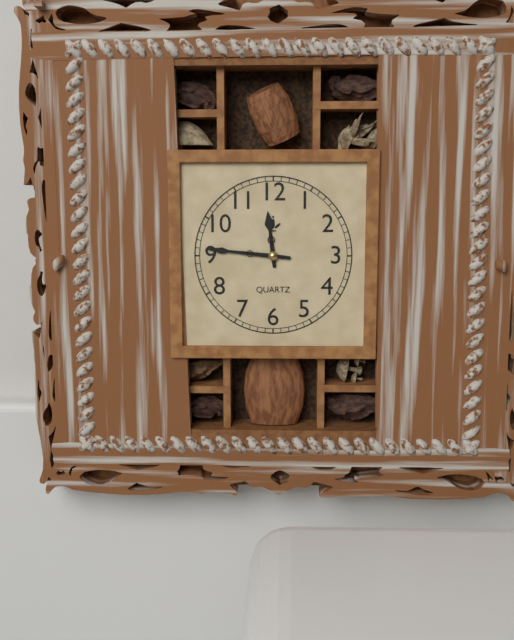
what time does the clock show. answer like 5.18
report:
11.46
